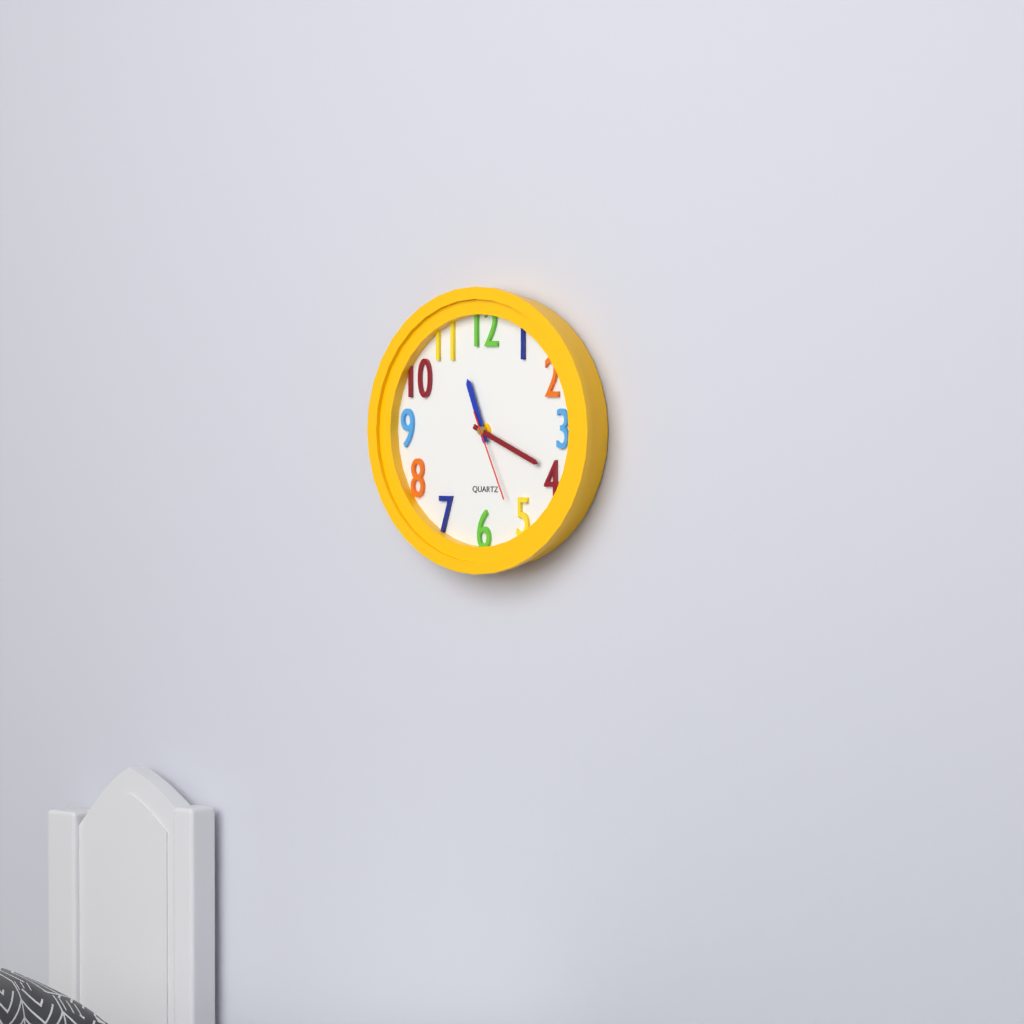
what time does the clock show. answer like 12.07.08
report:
11.19.26
